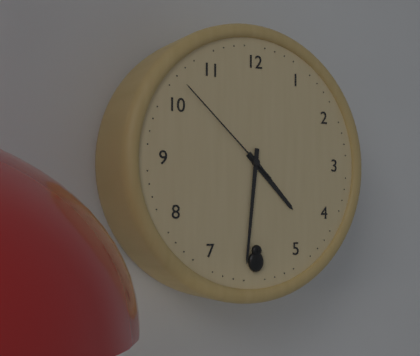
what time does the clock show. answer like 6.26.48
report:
4.31.52
